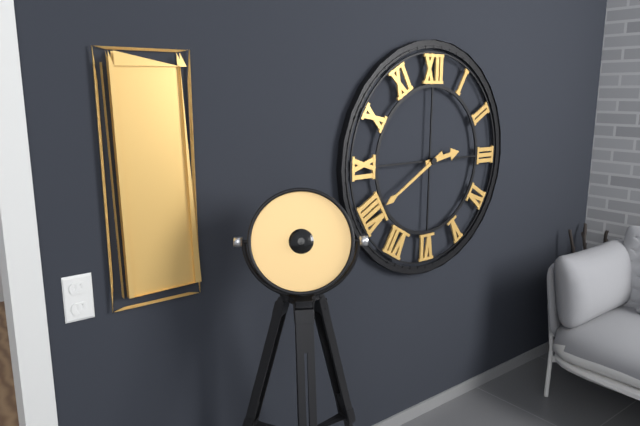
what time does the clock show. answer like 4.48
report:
2.40
